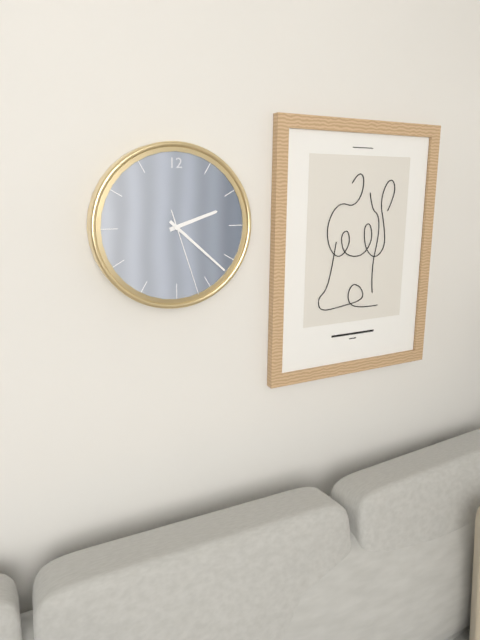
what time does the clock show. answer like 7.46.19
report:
2.22.27
